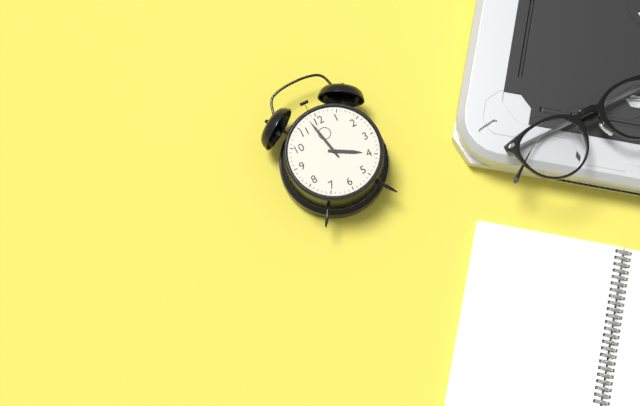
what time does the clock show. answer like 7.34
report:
3.58
